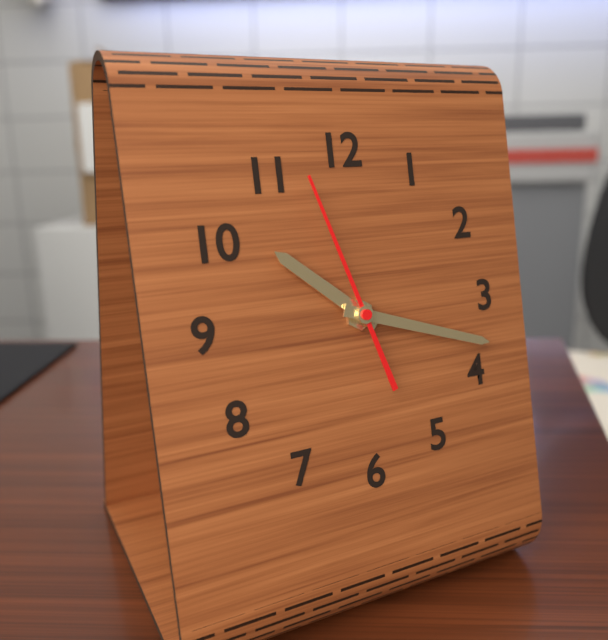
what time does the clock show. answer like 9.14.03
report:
10.18.57
